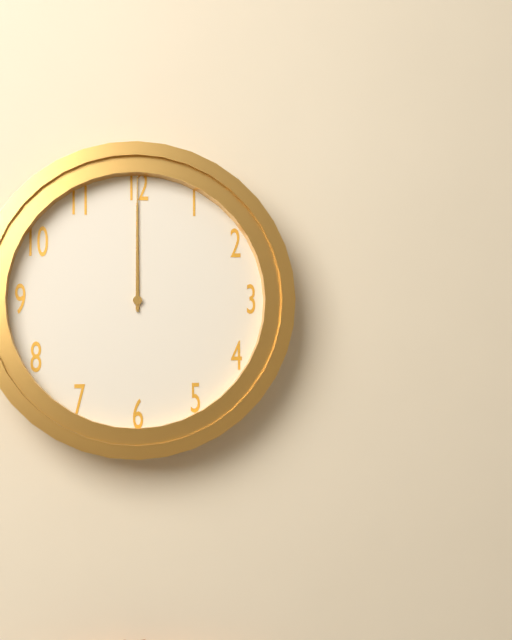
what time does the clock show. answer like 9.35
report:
12.00
